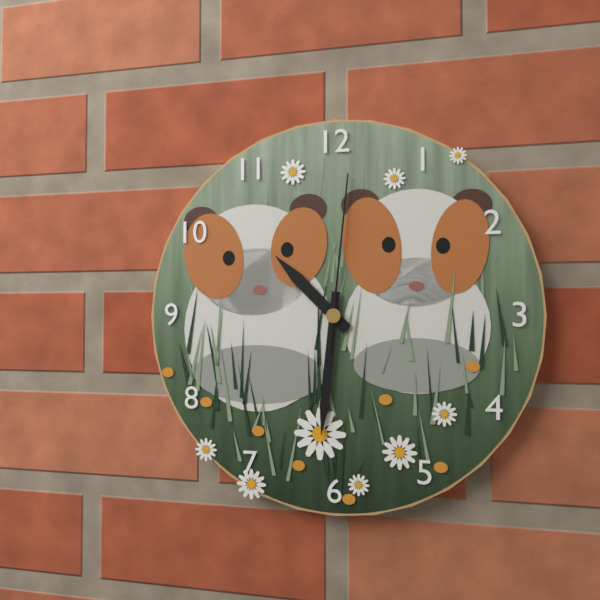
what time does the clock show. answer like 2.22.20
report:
10.31.01
